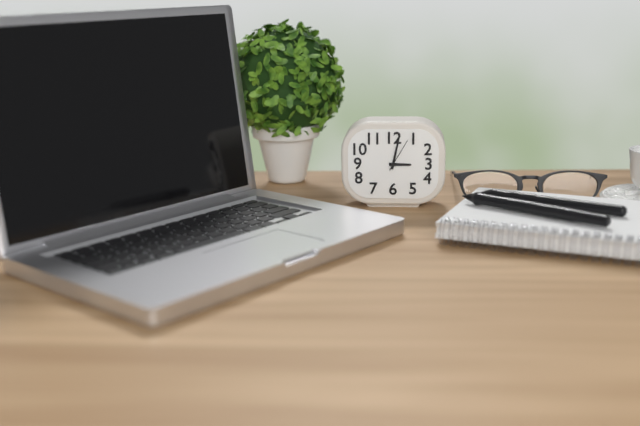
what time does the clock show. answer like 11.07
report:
3.02
